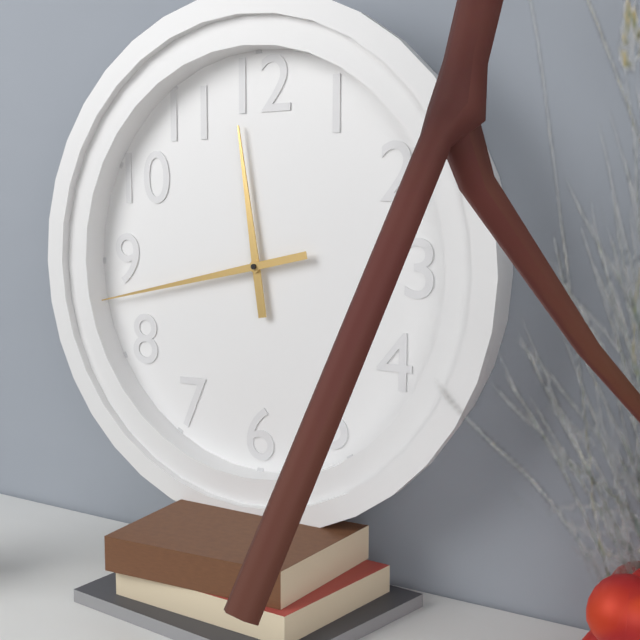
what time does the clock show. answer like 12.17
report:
11.43
